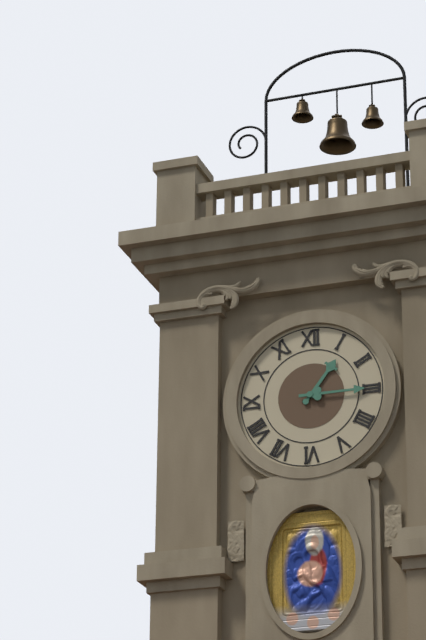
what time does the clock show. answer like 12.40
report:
1.15
